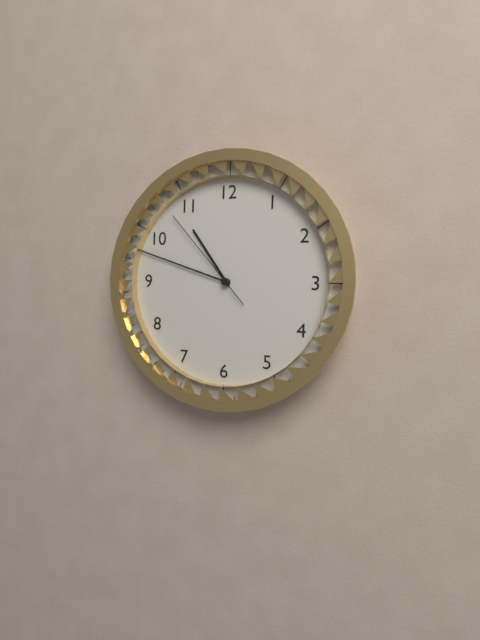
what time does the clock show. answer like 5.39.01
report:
10.48.53
